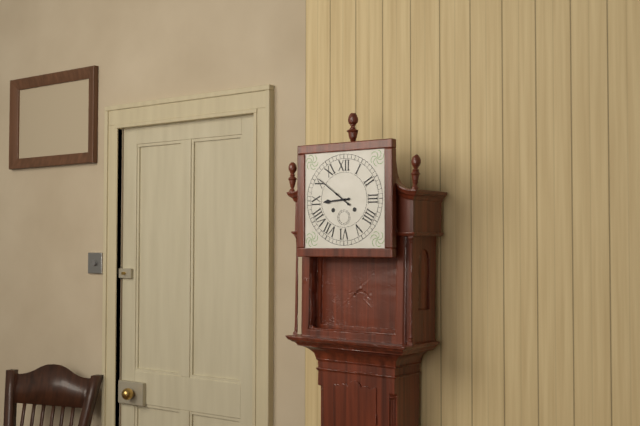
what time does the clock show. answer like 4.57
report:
8.51
